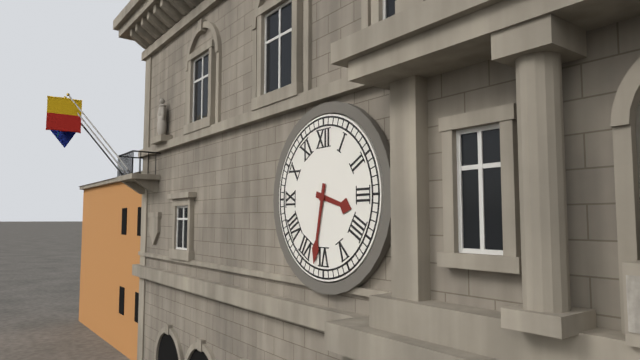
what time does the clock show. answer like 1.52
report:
3.32
